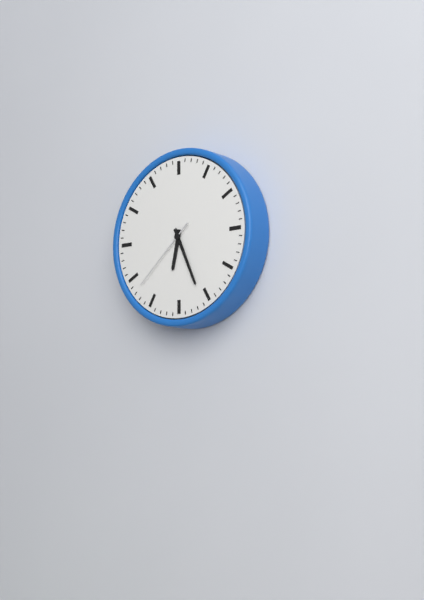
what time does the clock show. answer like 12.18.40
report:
6.26.38
